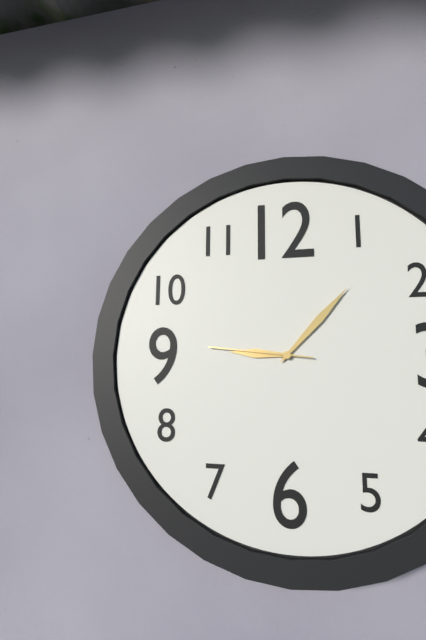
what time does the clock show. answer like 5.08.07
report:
9.07.46
